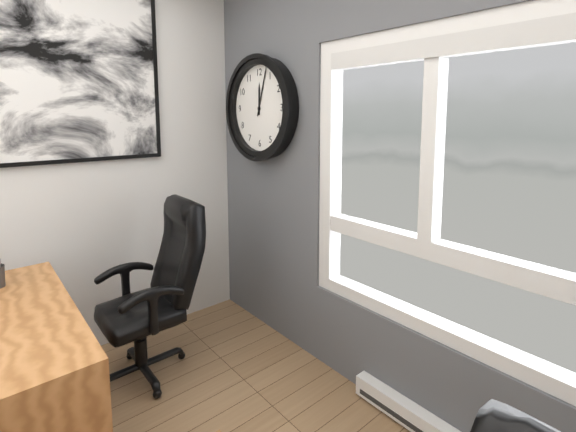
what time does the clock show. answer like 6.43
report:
12.03
